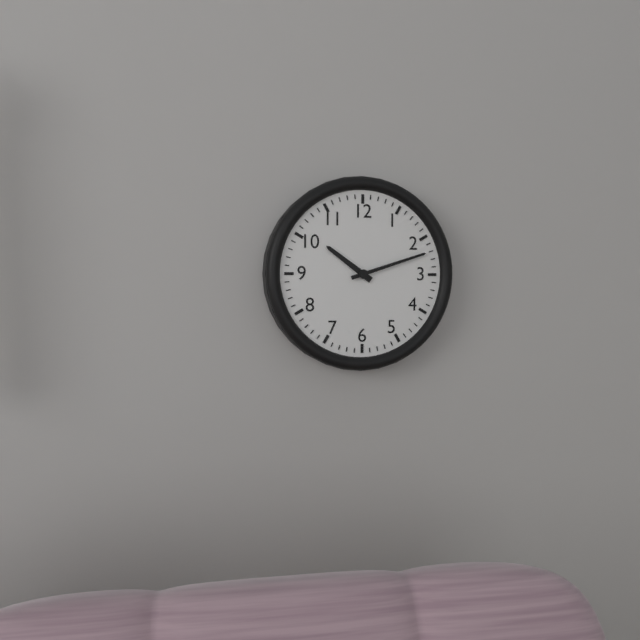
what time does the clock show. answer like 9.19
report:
10.12
